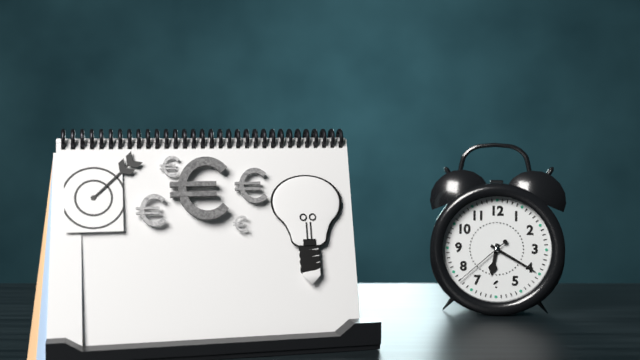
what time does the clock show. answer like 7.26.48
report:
6.20.38
